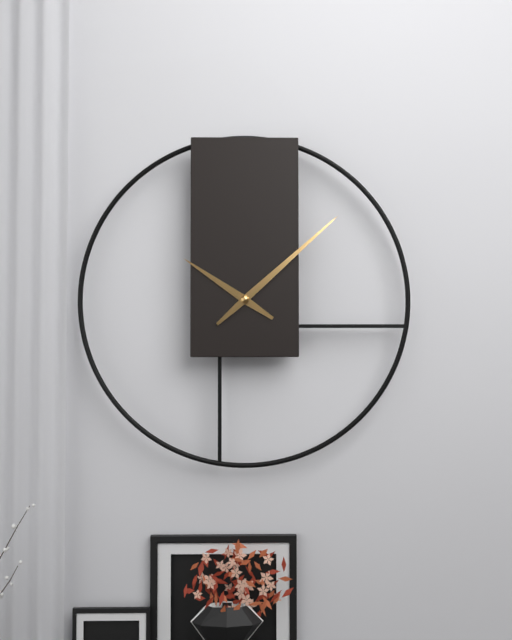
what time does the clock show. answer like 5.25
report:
10.08
